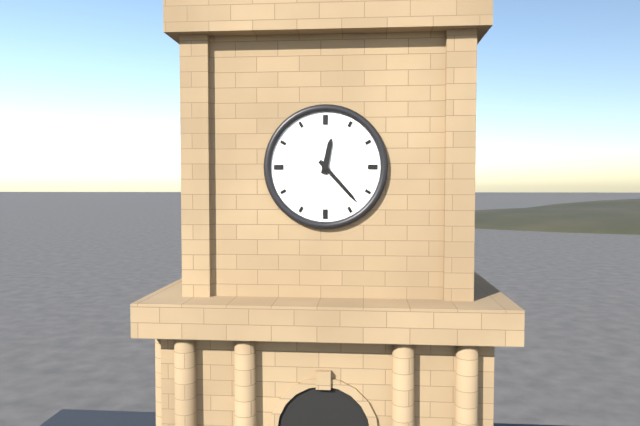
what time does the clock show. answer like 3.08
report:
12.23
